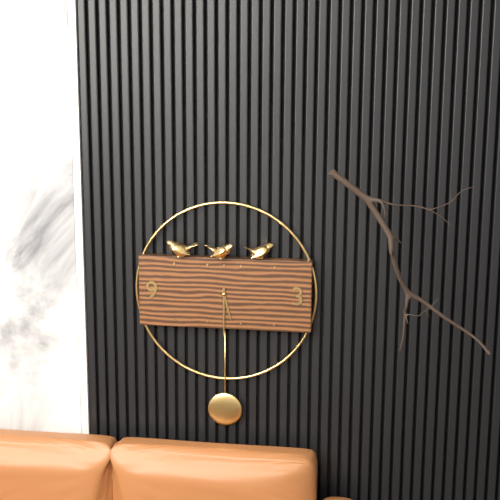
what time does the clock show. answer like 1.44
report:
5.30
